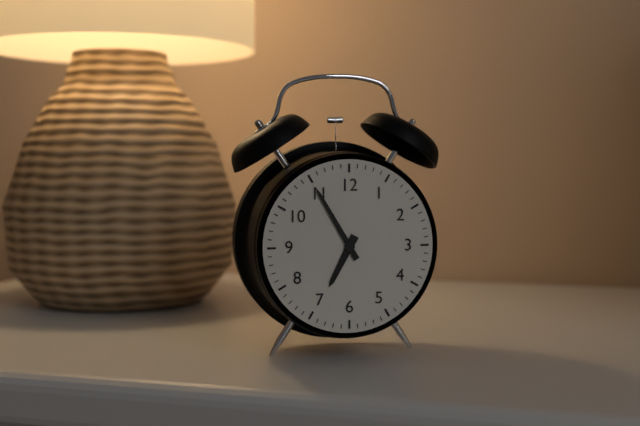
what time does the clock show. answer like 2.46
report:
6.55
